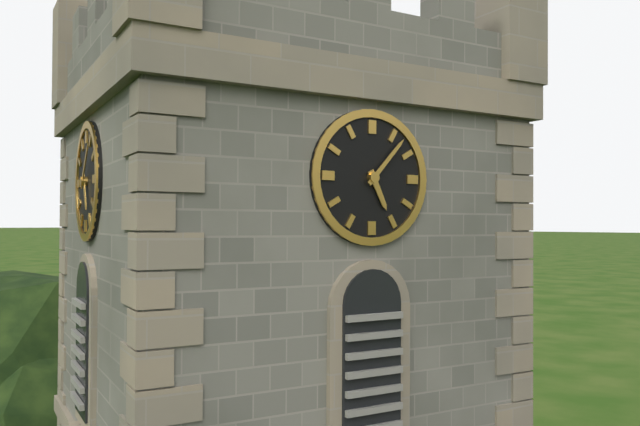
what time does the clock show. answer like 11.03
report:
5.07
